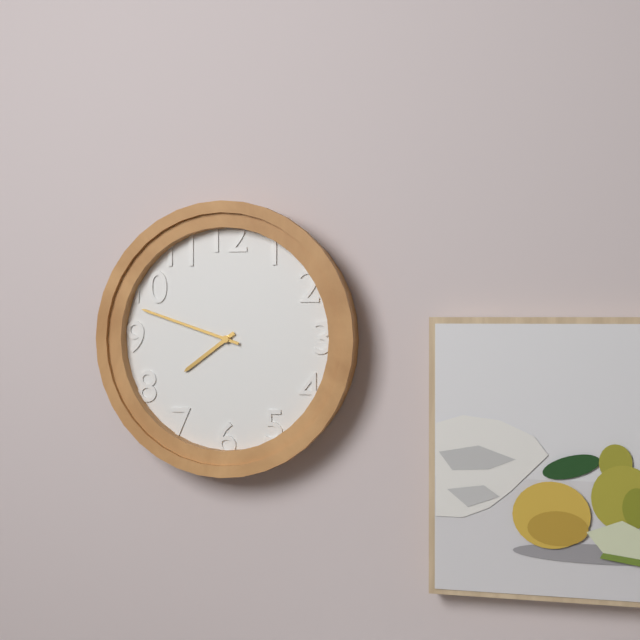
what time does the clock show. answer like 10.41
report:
7.48
